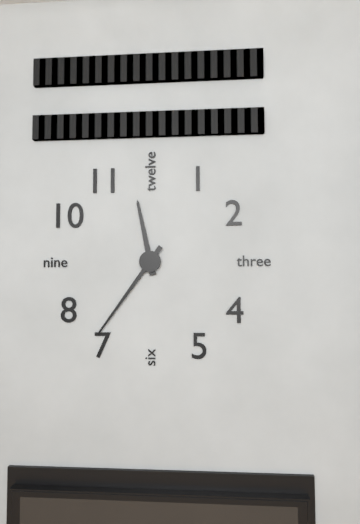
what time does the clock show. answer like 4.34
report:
11.36
